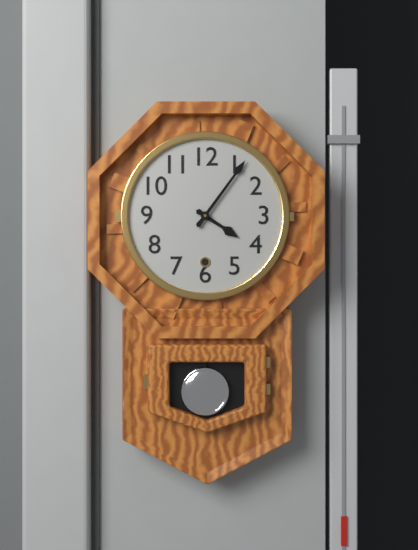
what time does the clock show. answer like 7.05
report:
4.06
